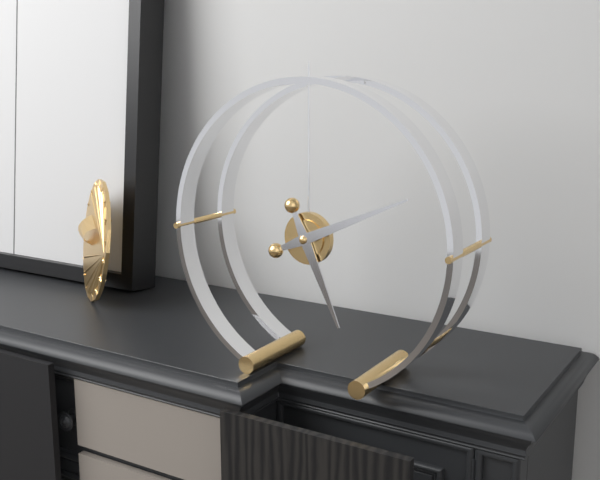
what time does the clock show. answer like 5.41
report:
5.11
